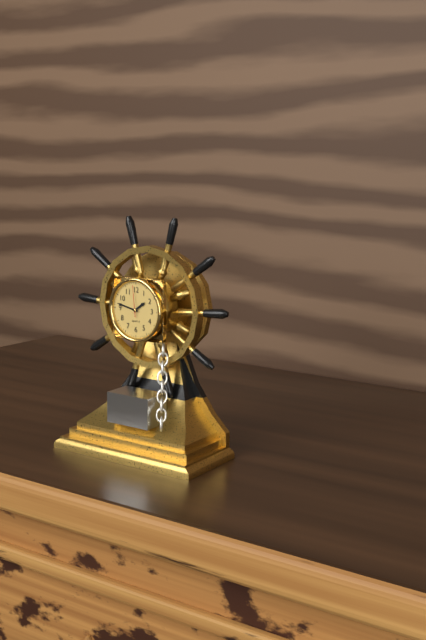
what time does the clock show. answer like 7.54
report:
1.47
